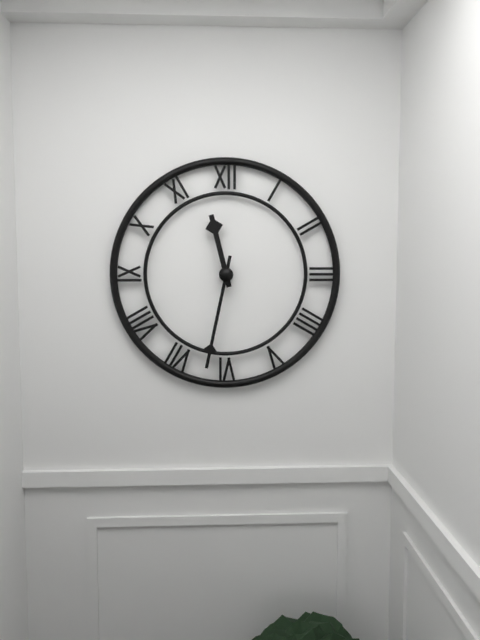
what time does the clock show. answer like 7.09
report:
11.32
